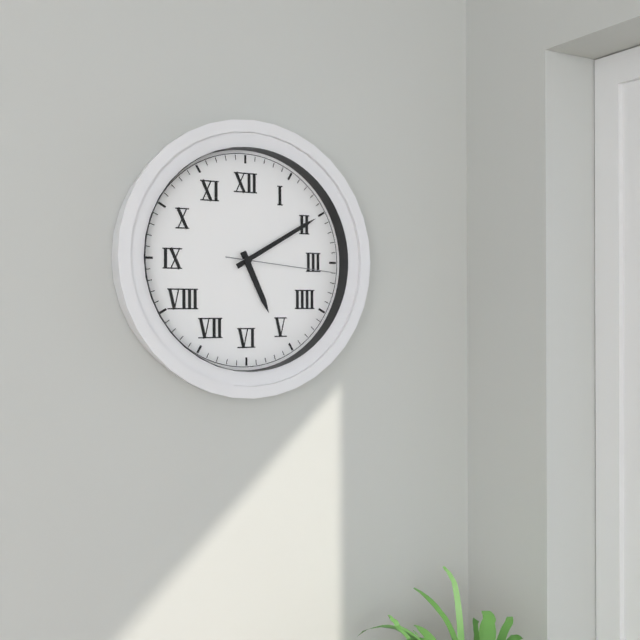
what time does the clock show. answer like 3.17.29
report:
5.10.16
